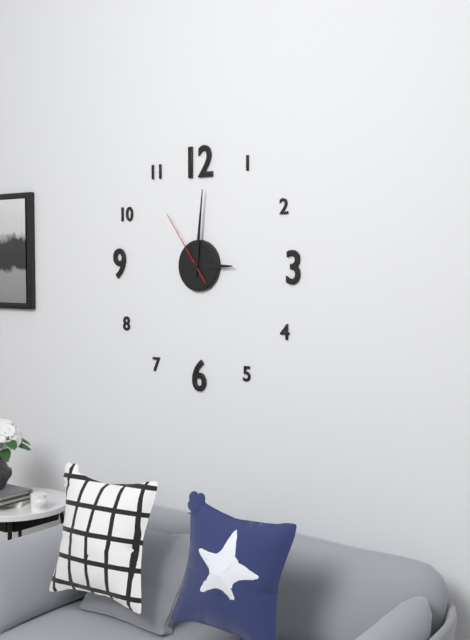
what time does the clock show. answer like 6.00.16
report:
3.01.54
